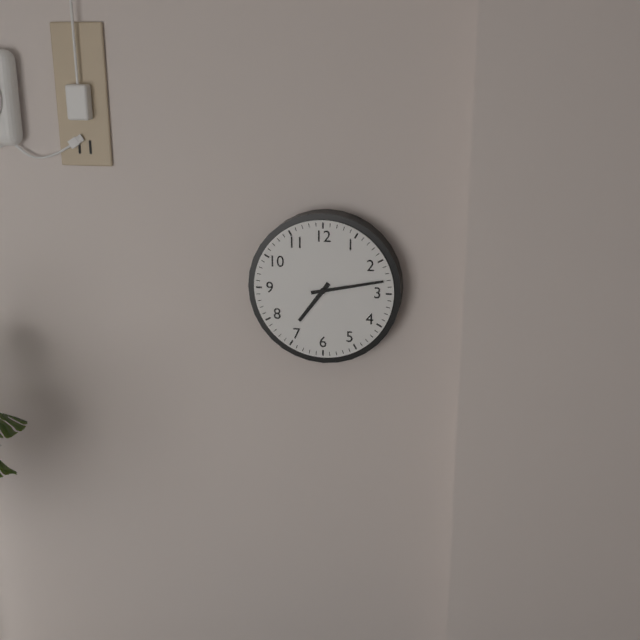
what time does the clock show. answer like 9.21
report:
7.13
